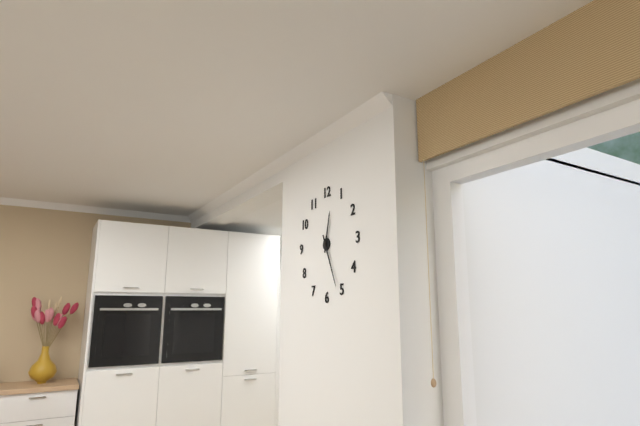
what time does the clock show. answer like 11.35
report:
12.26
